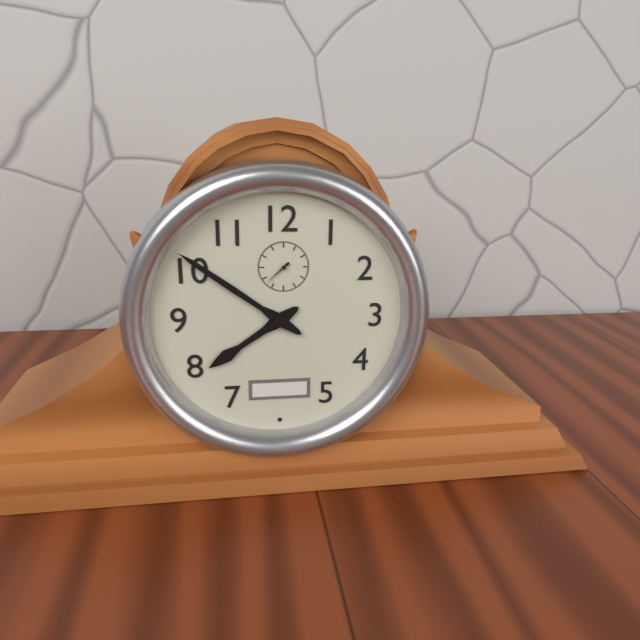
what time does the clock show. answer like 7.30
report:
7.51
